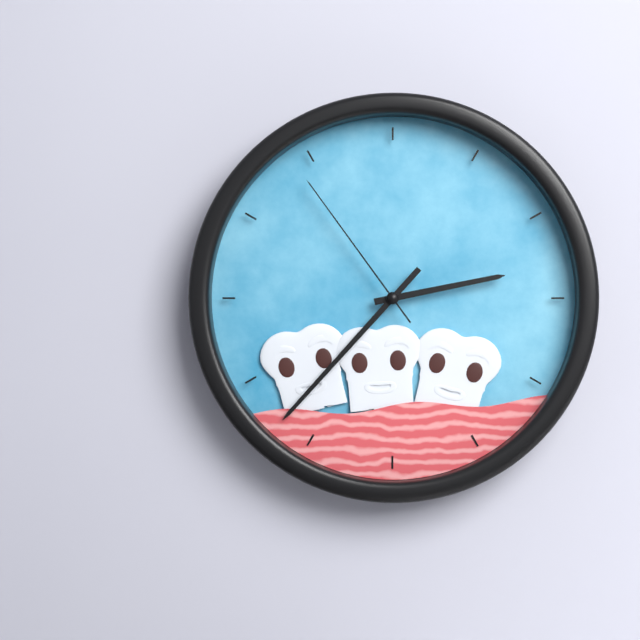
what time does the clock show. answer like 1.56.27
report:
2.37.54
